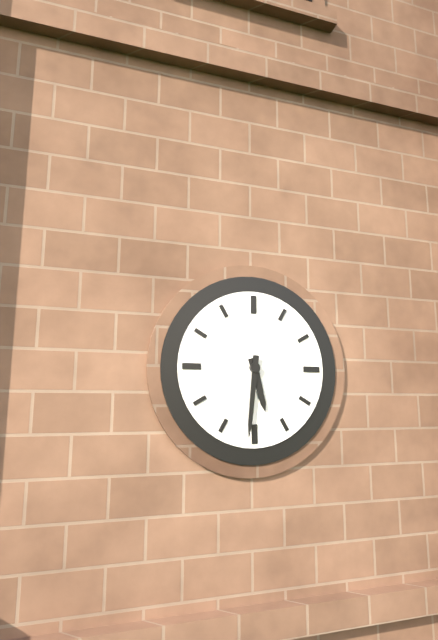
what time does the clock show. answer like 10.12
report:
5.31
